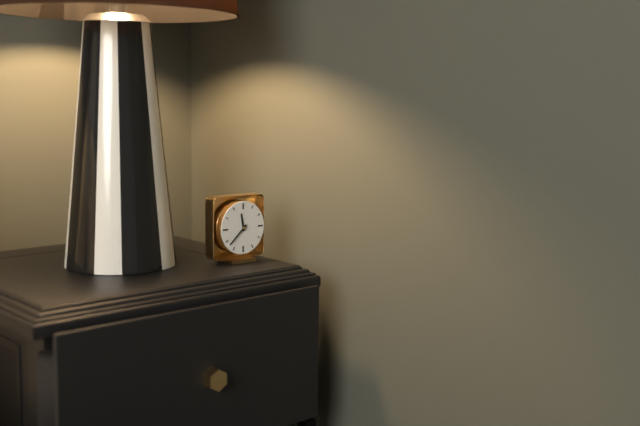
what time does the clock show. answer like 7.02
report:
11.38
